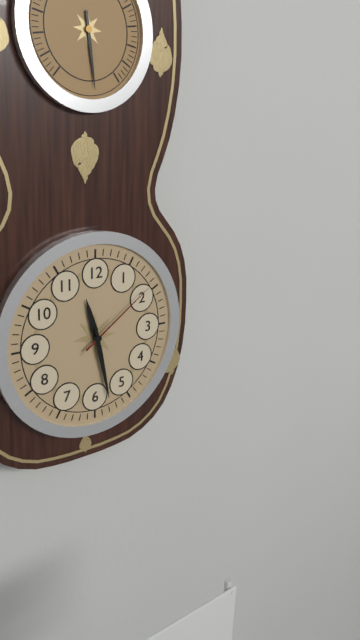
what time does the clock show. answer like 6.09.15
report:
11.28.09
